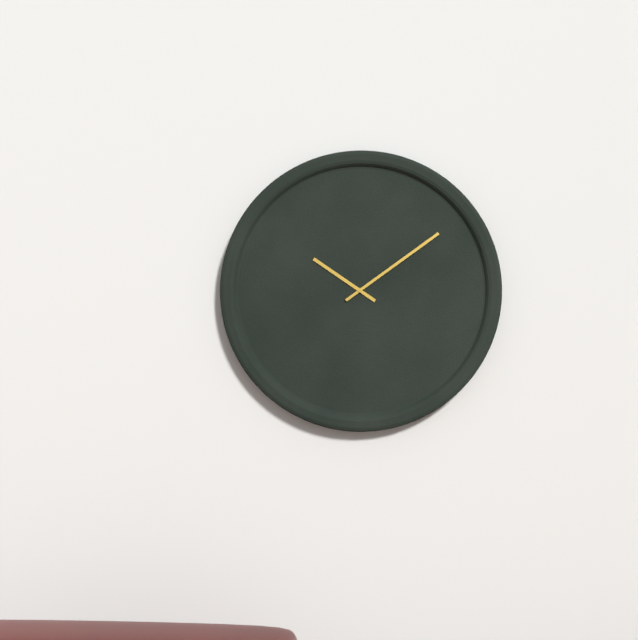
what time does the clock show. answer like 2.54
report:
10.09
